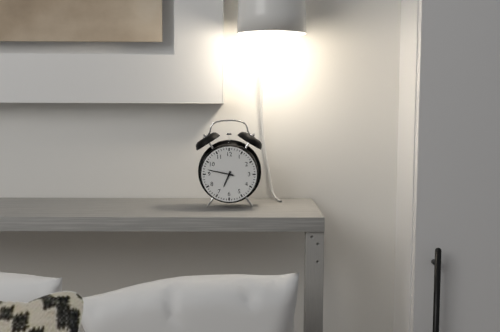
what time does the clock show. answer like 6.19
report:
6.47
